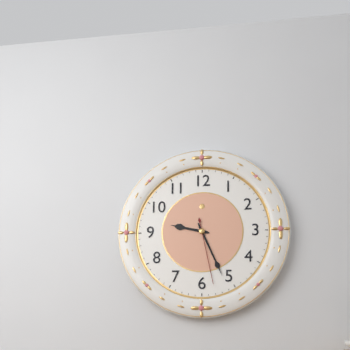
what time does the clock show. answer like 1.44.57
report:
9.26.28
